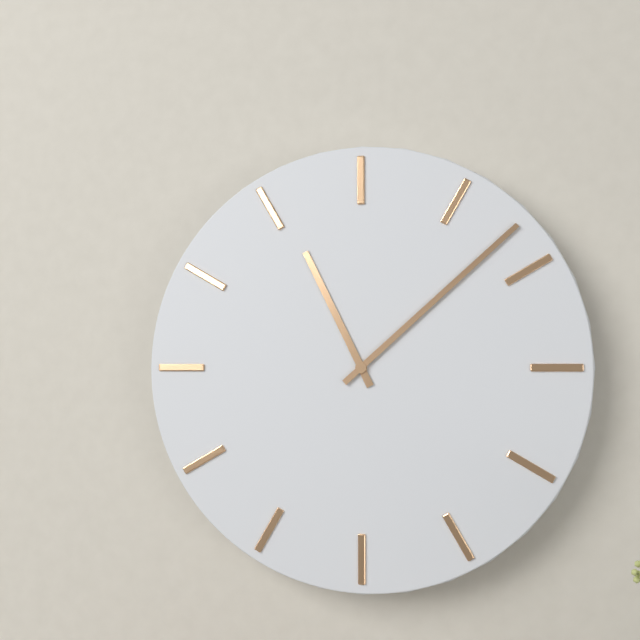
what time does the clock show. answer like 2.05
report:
11.08
